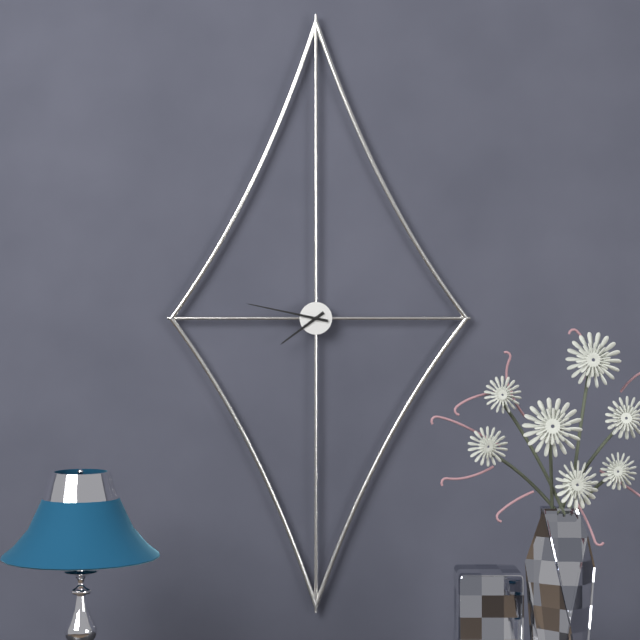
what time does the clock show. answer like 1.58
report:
7.47
